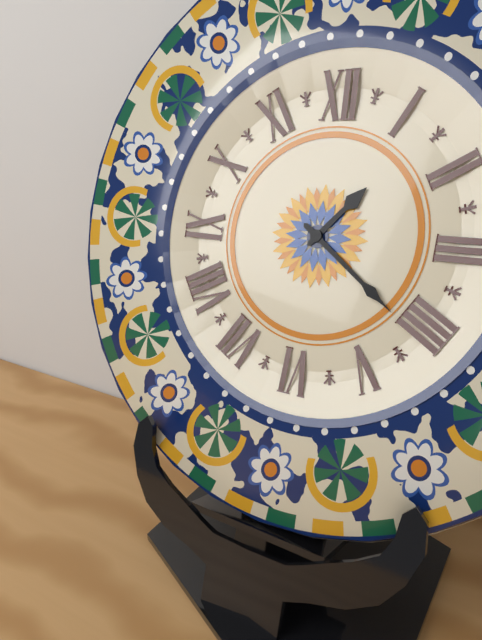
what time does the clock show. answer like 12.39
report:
1.21
